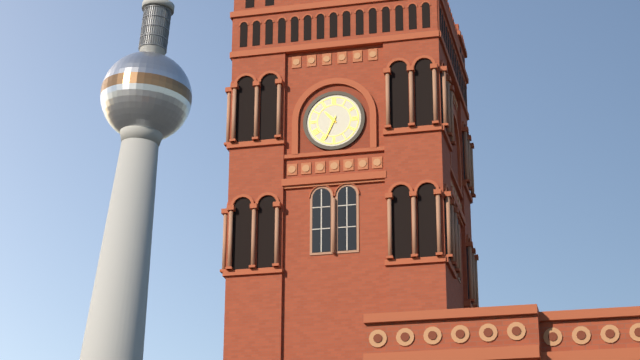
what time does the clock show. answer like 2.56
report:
10.34
